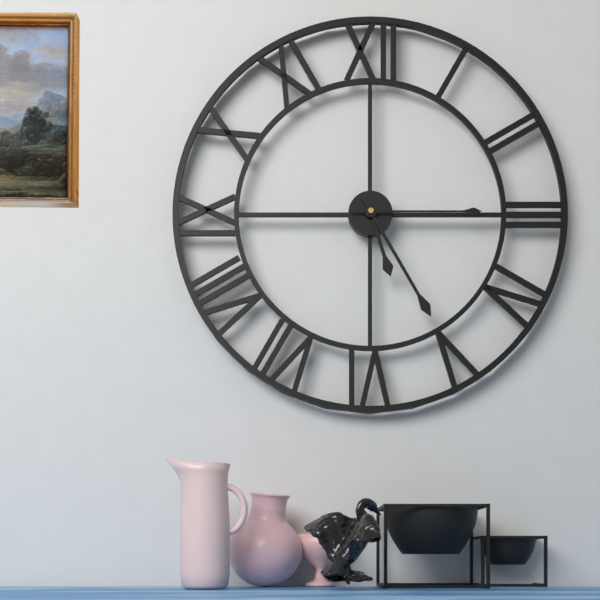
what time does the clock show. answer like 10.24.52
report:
5.25.15
